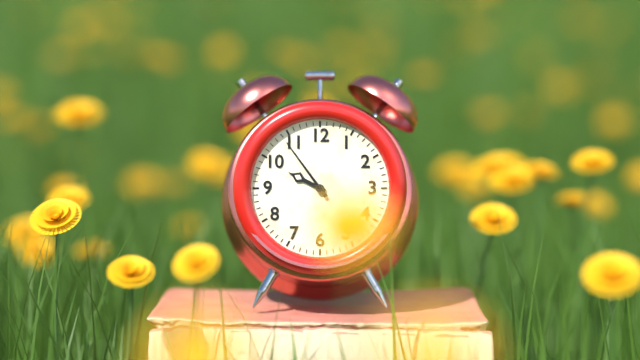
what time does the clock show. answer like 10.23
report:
9.54
